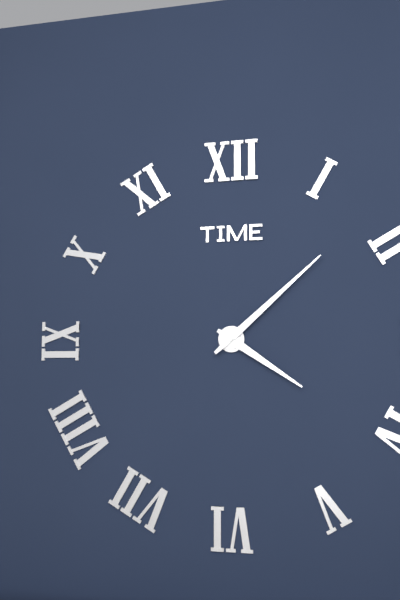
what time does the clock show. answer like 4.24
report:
4.08
